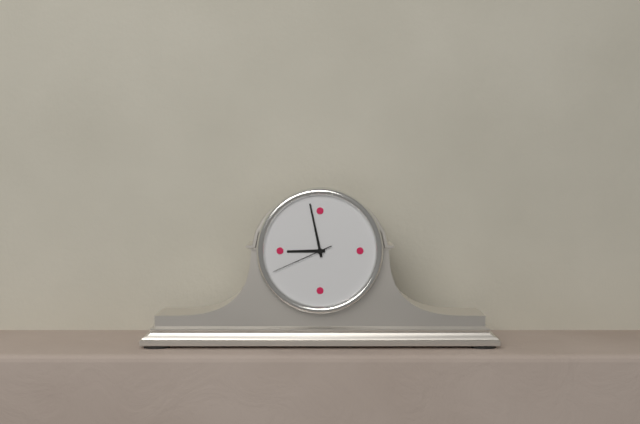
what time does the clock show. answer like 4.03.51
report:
8.58.41
